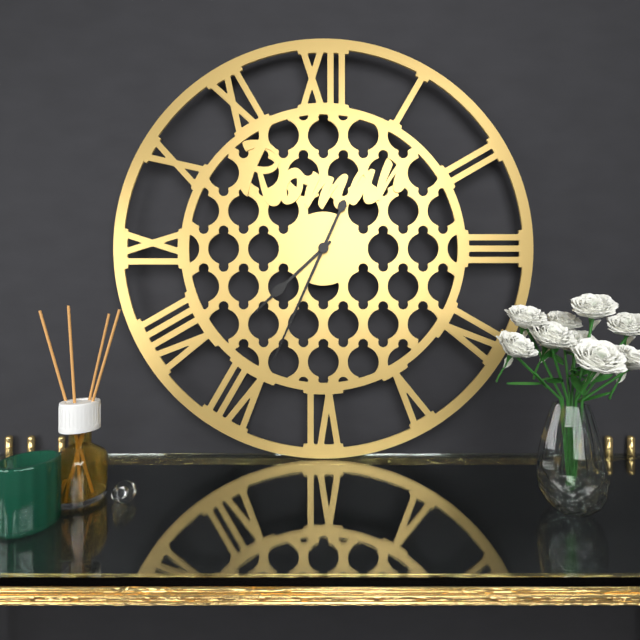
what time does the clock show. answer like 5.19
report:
7.34
